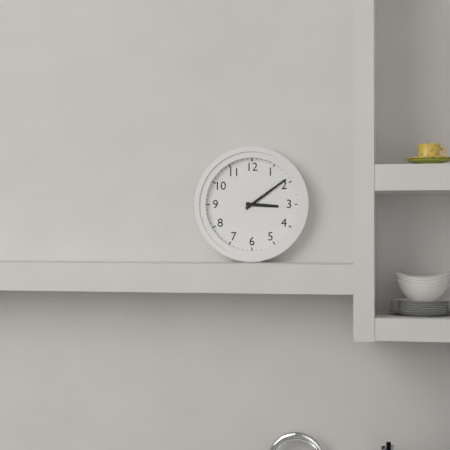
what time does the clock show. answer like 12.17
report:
3.09
